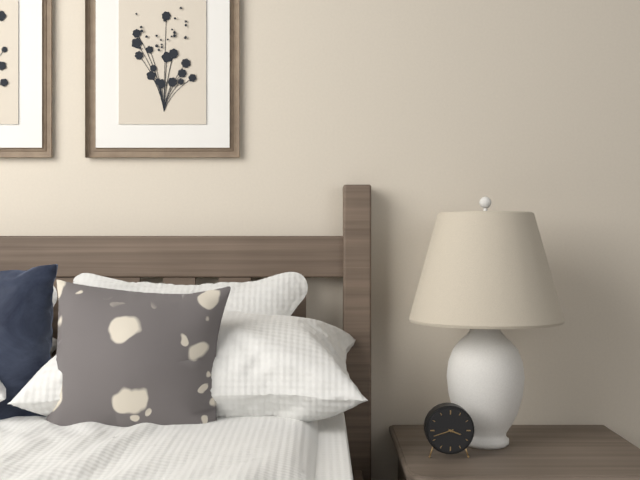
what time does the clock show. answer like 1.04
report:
3.42
